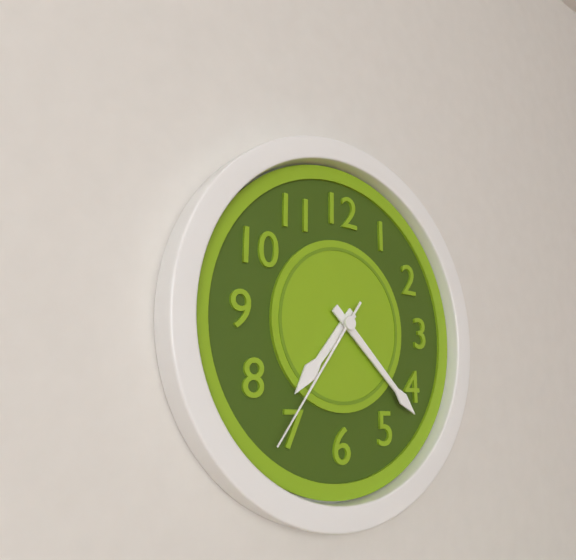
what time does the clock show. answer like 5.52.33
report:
7.22.36
